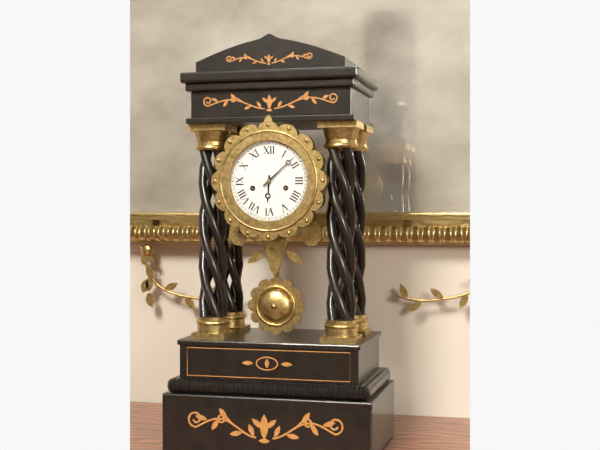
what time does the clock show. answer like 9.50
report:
6.08
